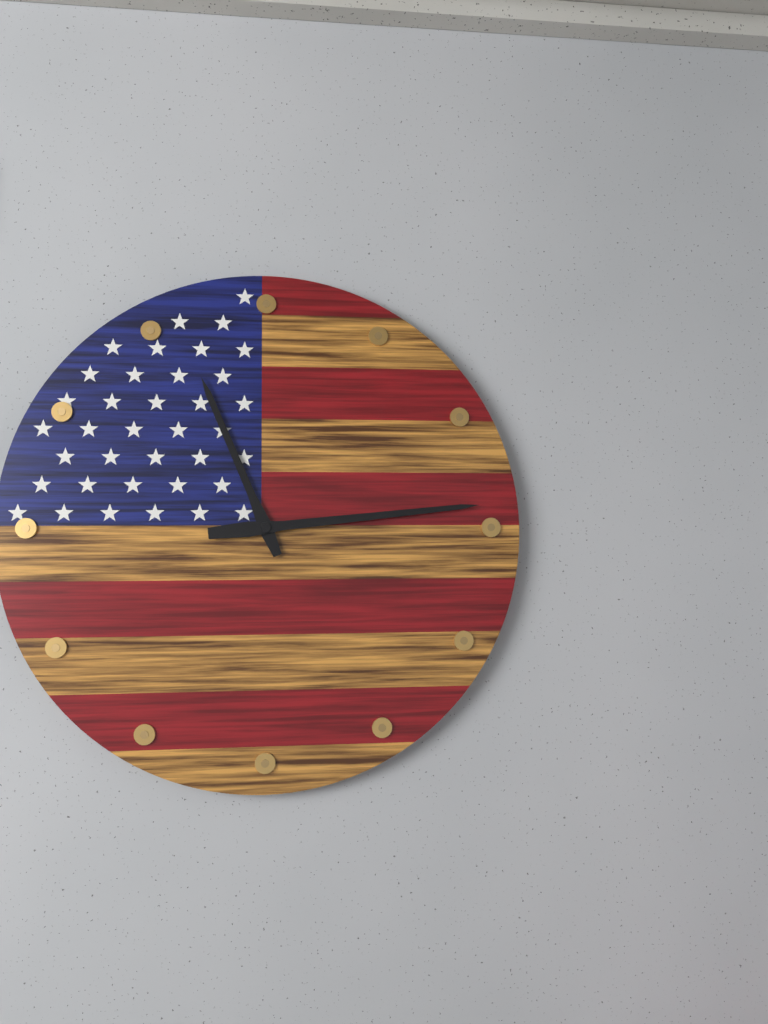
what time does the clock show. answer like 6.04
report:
11.14
